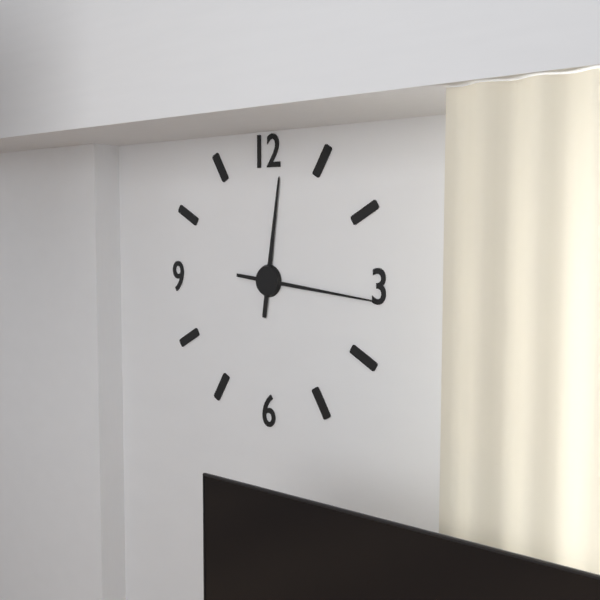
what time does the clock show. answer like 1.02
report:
12.16
